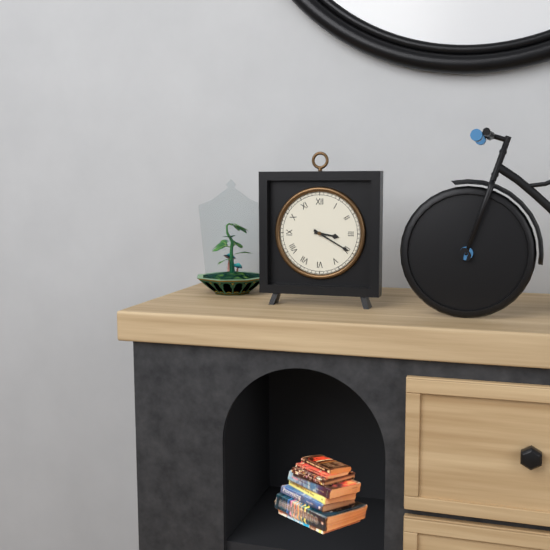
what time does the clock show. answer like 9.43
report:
3.20
